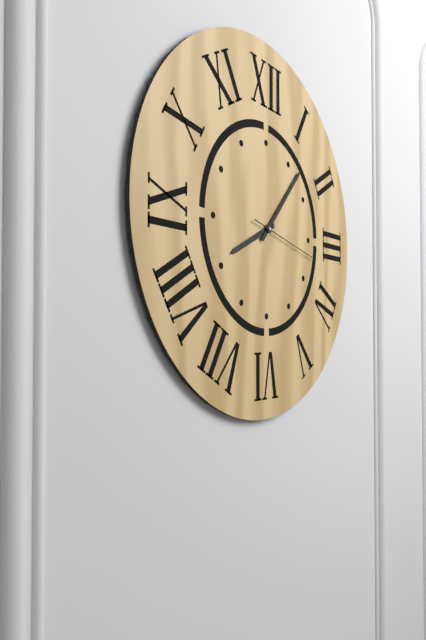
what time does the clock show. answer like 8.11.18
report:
8.07.17
